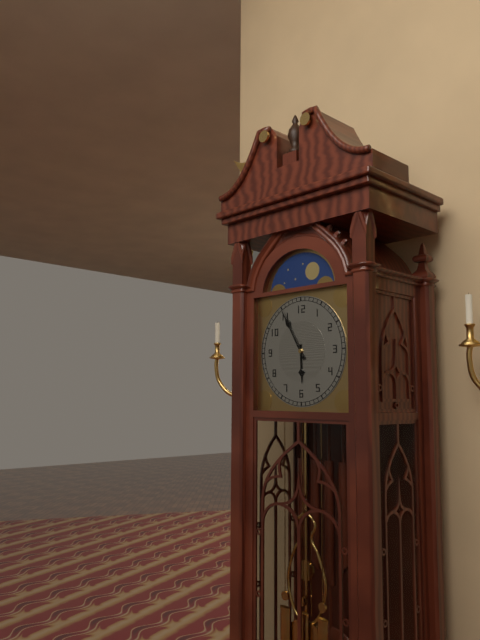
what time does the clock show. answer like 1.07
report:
5.55
